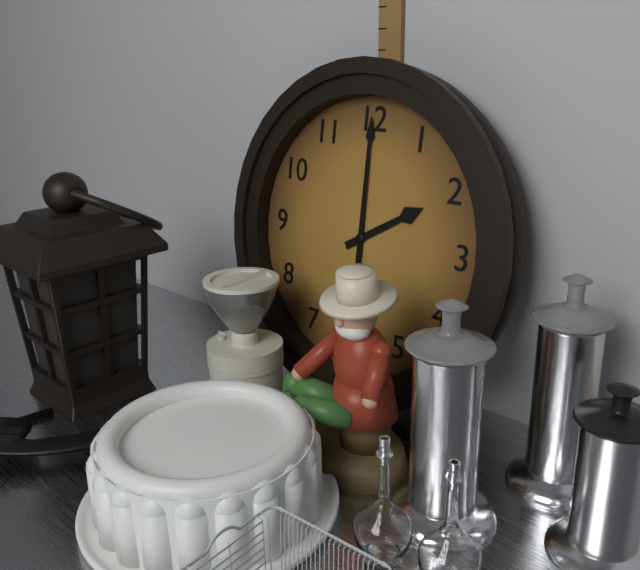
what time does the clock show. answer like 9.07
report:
2.00
